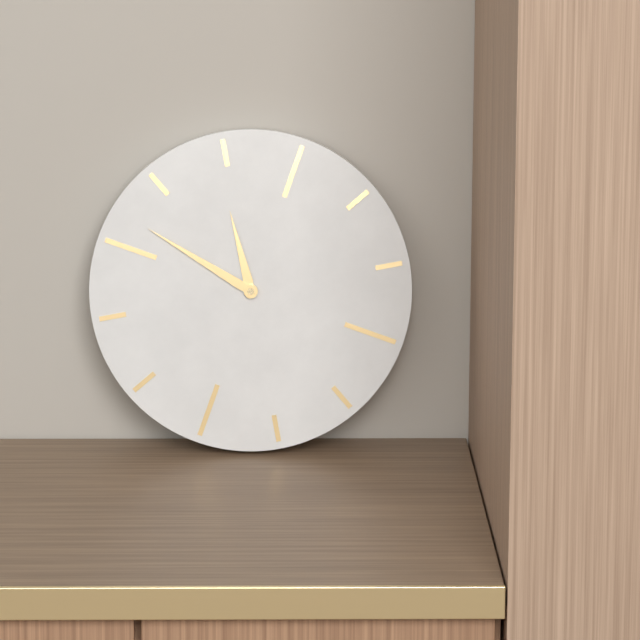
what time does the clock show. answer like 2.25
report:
11.52
